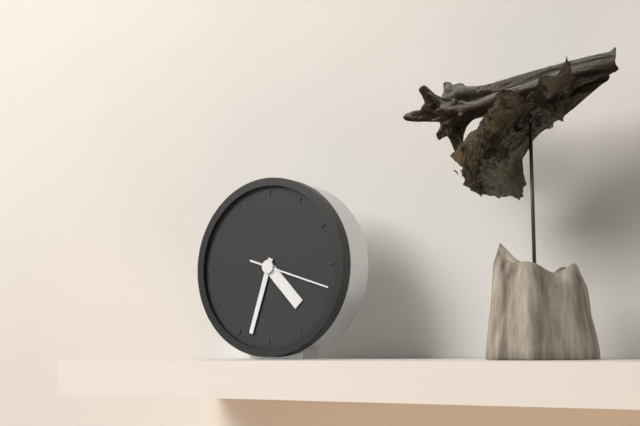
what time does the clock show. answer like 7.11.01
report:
4.33.18
